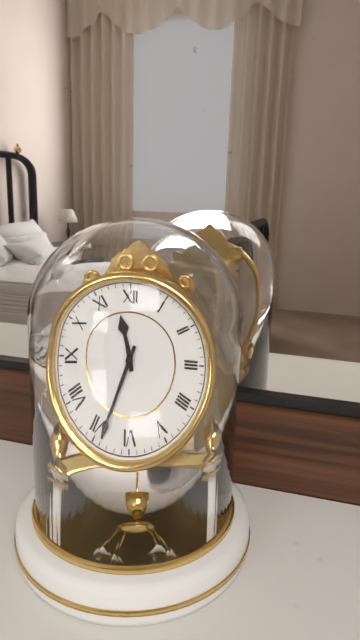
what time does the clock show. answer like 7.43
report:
11.34
